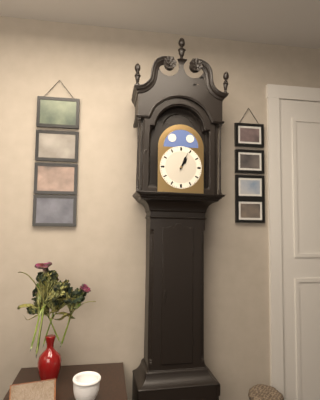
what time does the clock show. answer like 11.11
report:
1.04
